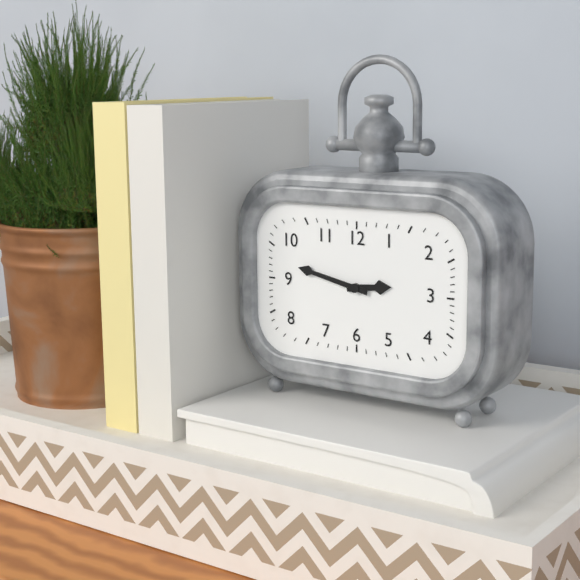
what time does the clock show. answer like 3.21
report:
2.47
